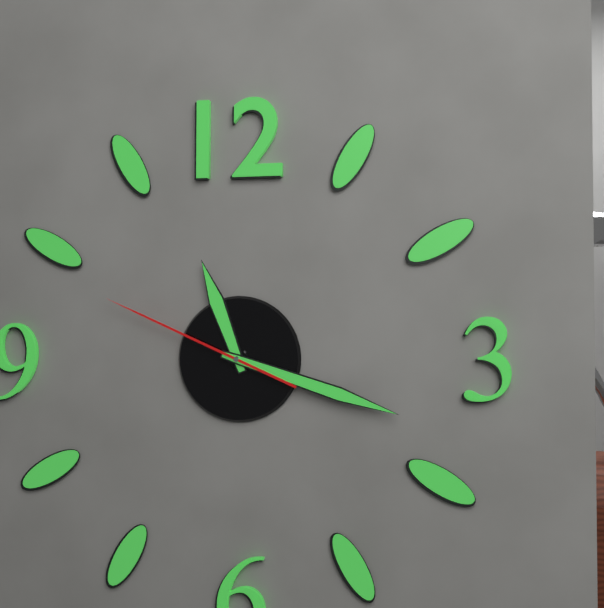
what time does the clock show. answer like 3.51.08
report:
11.18.49
